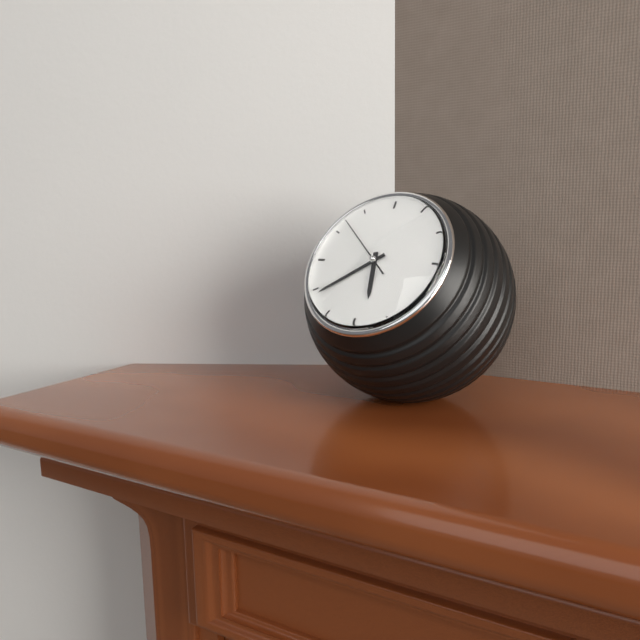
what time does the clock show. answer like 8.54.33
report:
5.39.52
